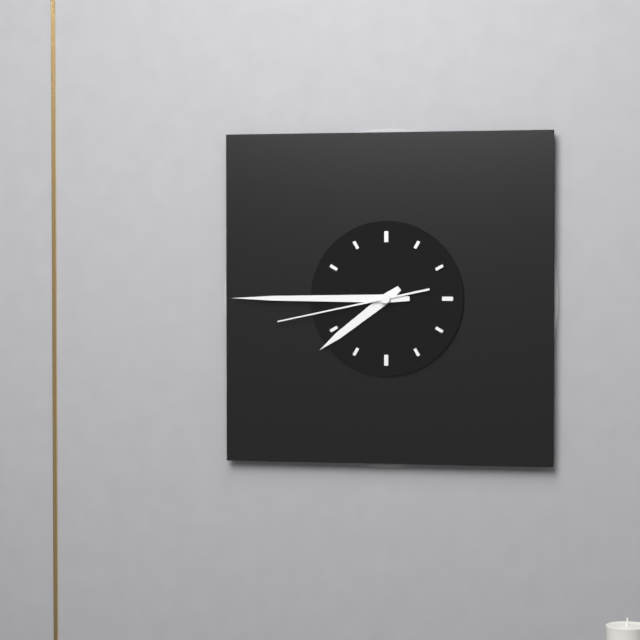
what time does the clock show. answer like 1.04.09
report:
7.45.43
